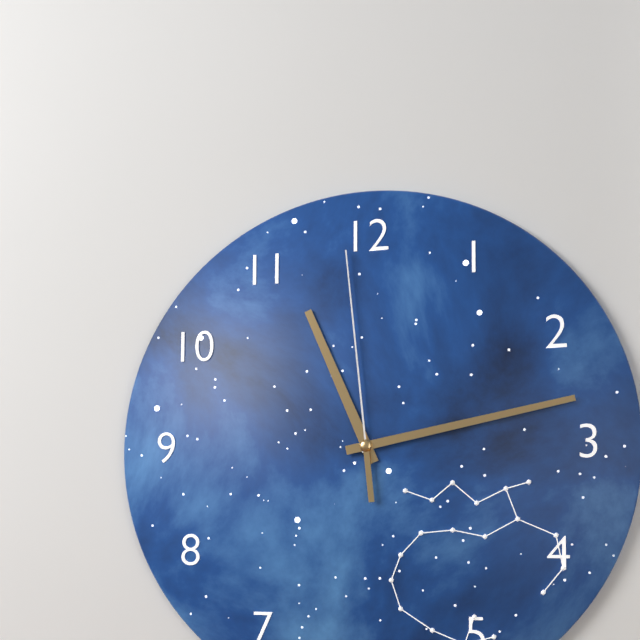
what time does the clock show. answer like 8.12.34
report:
11.13.59
